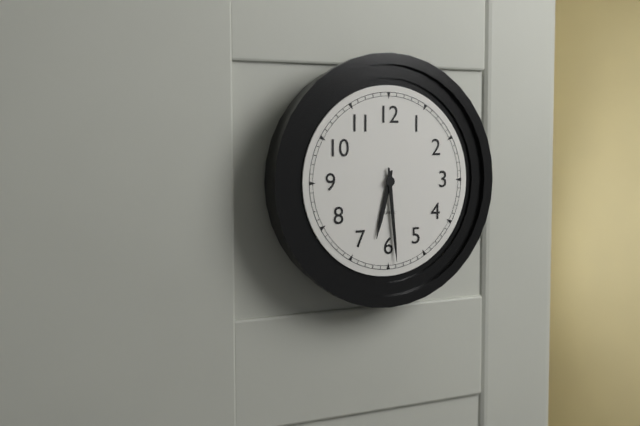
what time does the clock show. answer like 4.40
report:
6.29
